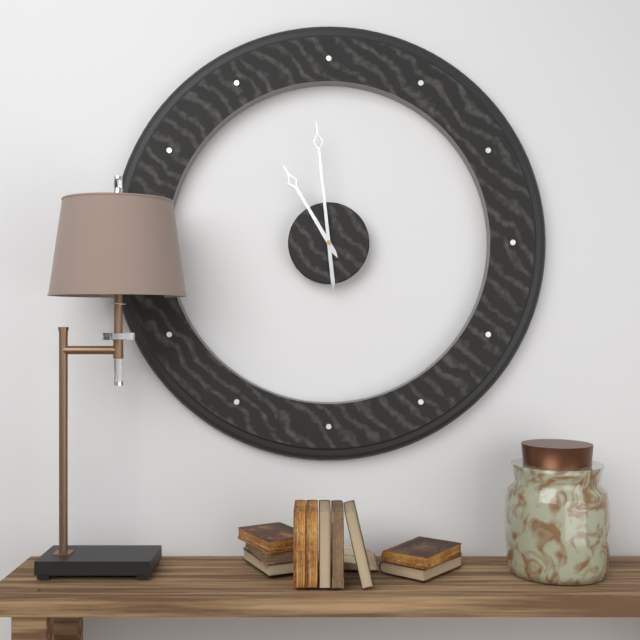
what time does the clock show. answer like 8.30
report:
10.59
